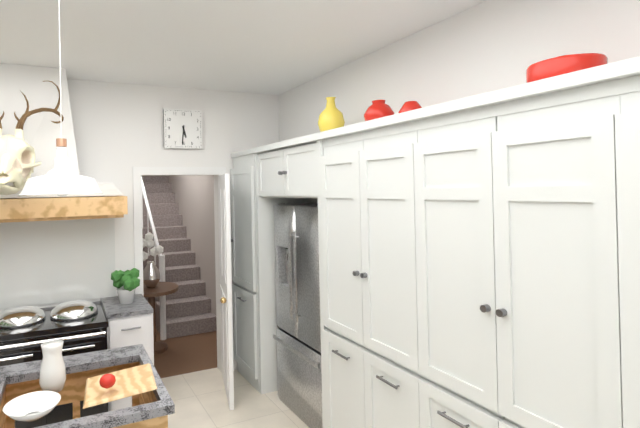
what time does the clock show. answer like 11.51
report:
5.31
